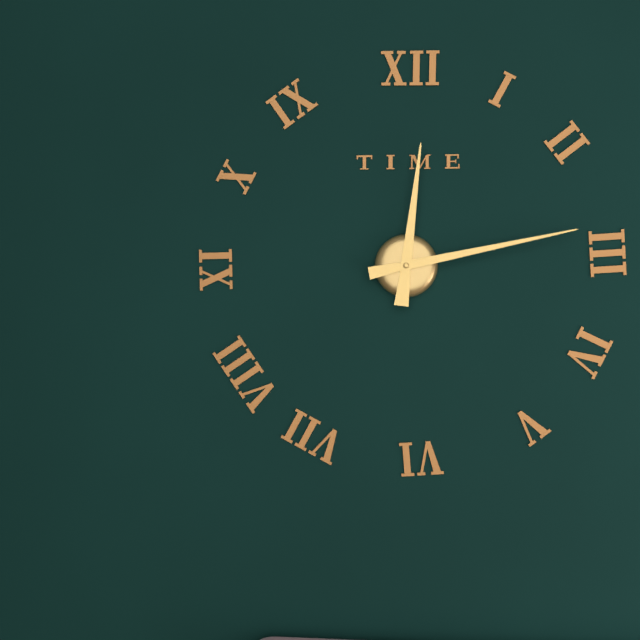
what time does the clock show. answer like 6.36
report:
12.13
